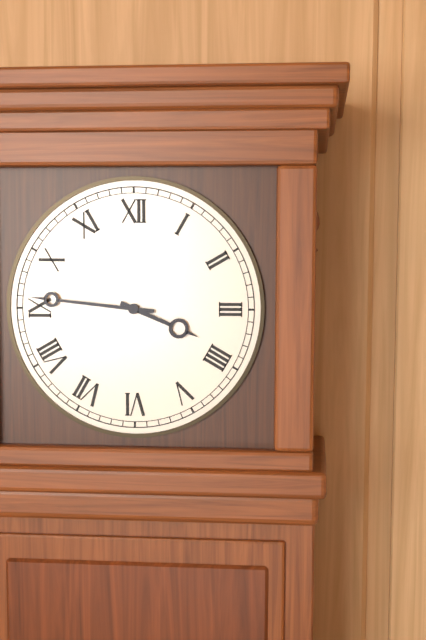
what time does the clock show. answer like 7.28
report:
3.46
